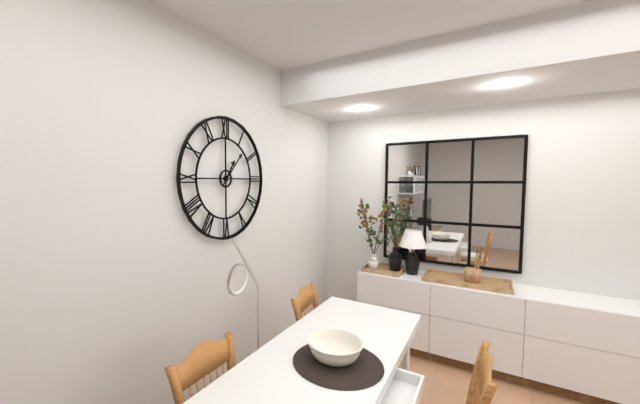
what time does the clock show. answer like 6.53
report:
1.07
